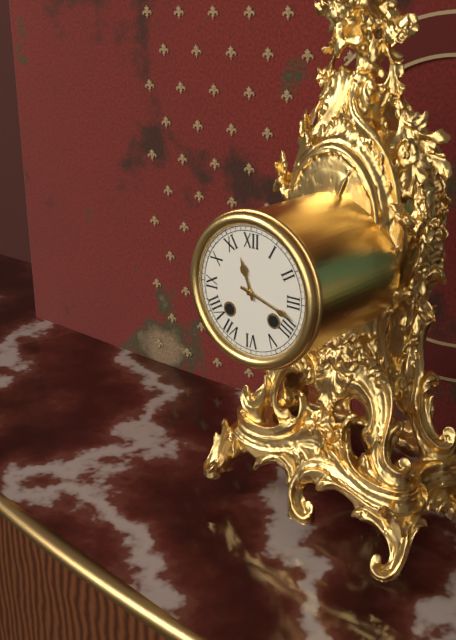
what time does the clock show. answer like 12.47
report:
11.18
